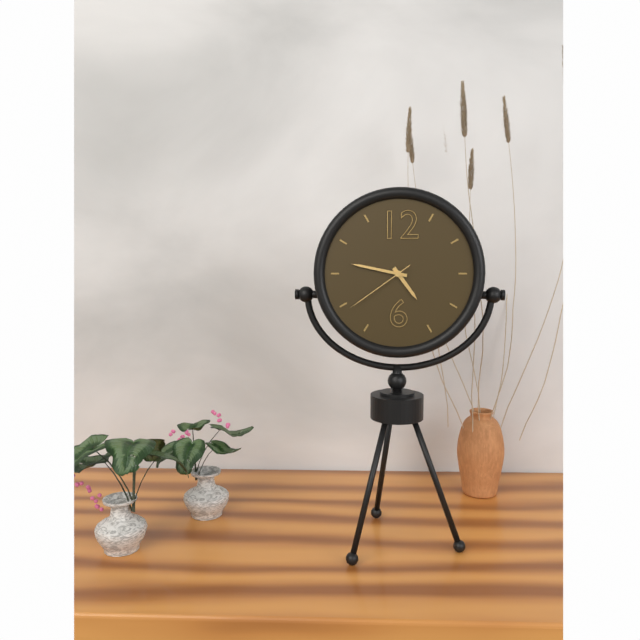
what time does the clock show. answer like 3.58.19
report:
4.47.39
